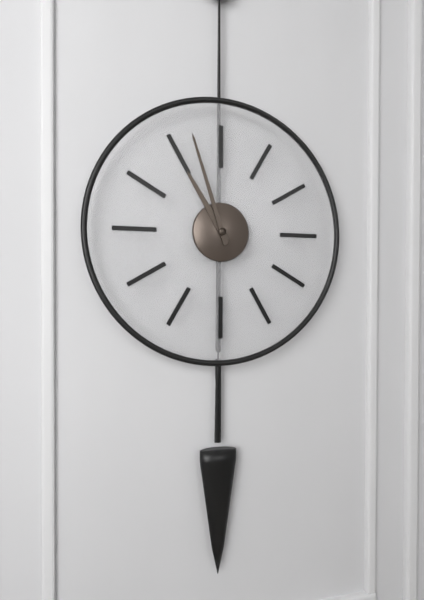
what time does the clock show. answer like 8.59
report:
10.57
